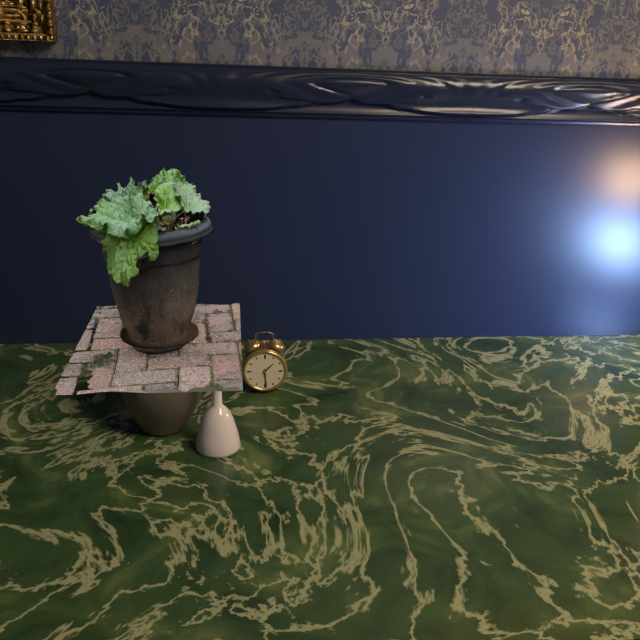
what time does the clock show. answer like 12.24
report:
1.29
